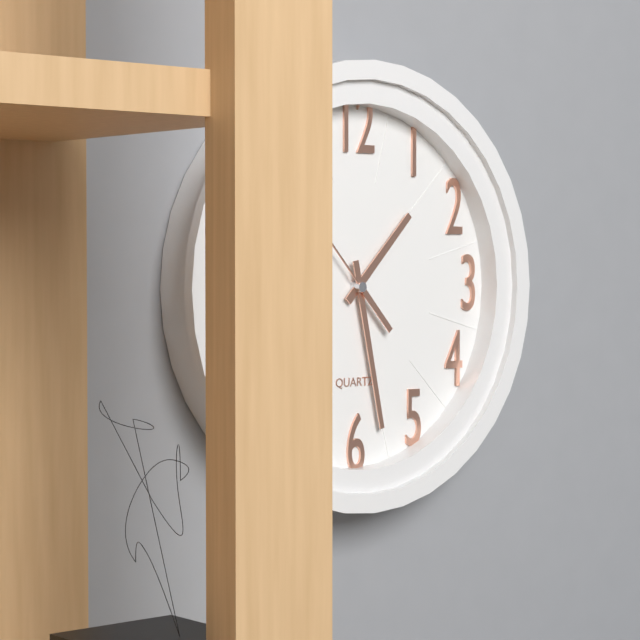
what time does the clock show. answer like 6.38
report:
1.28
